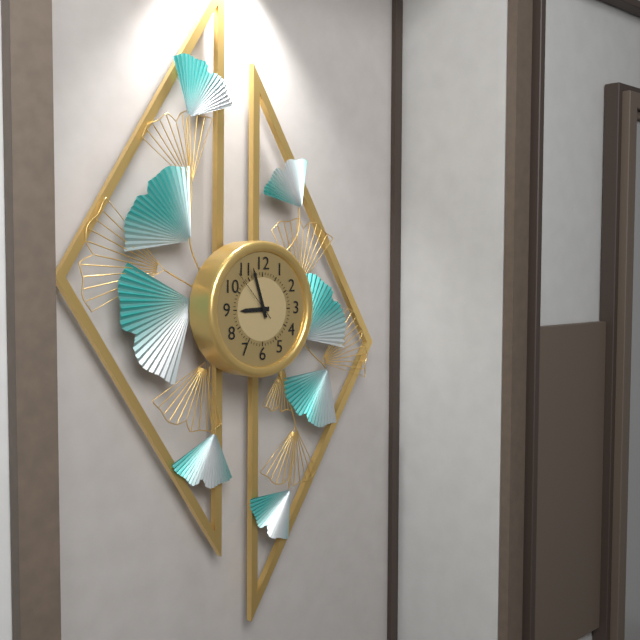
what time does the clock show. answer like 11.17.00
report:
8.57.53
